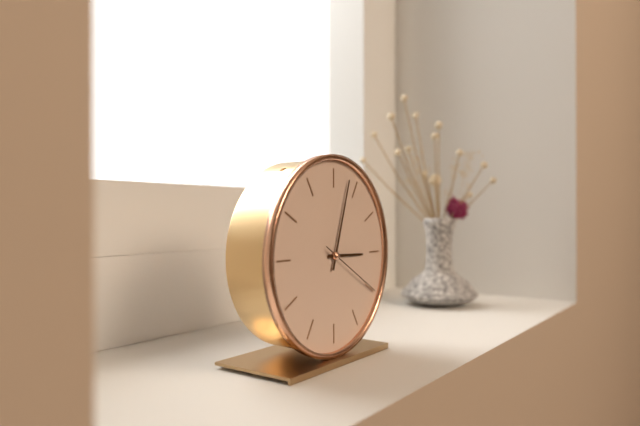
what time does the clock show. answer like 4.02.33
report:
3.03.20
